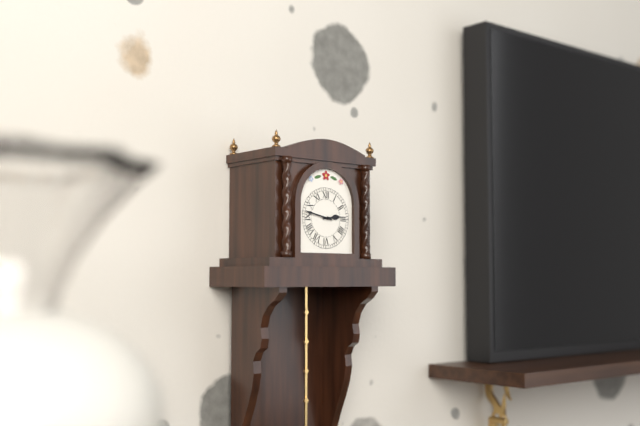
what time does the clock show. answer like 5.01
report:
2.47
